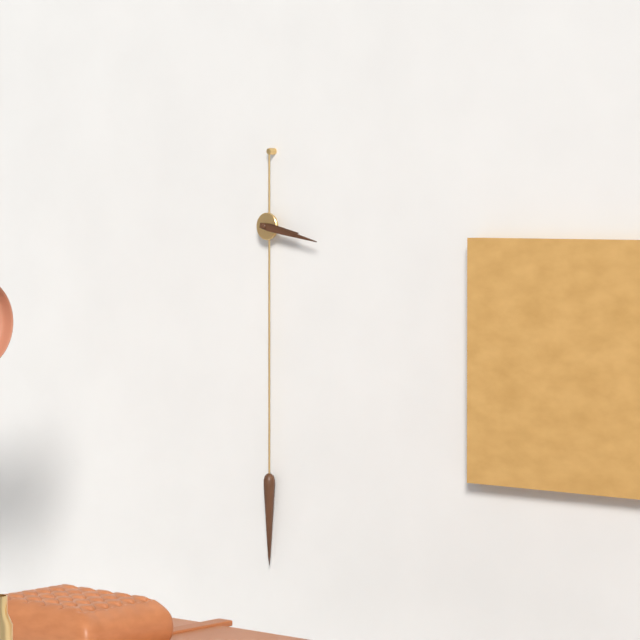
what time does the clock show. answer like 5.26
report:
3.17
